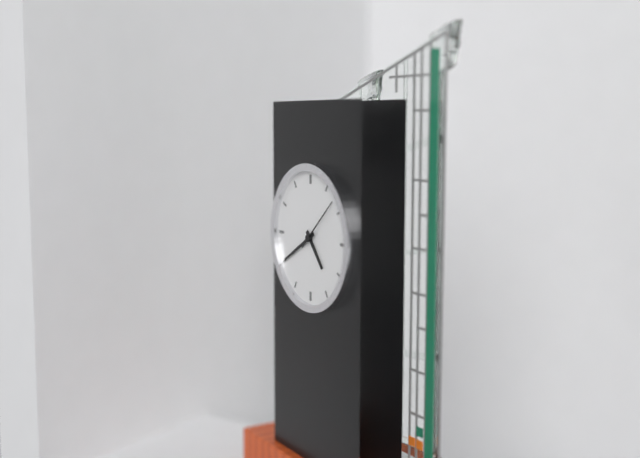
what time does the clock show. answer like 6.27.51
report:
4.40.08
